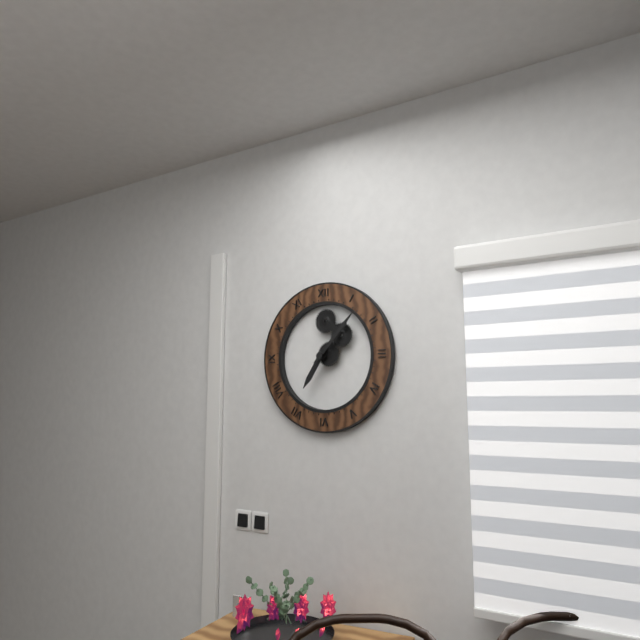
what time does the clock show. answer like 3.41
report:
7.07
